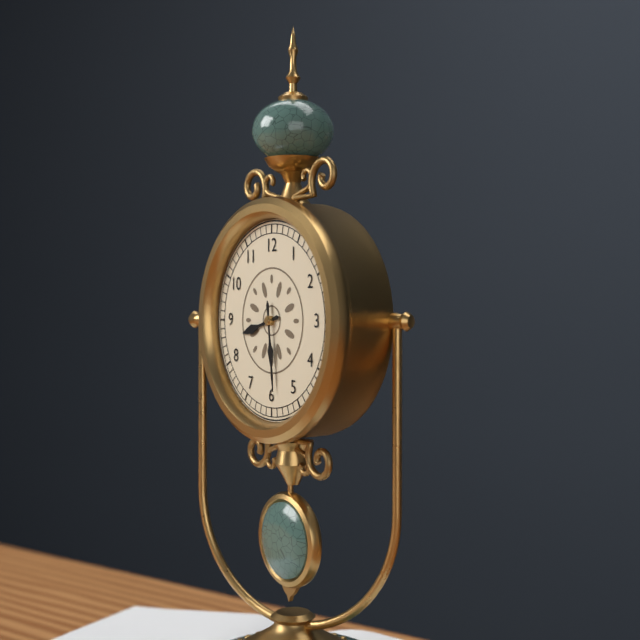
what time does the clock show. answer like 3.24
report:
8.29
